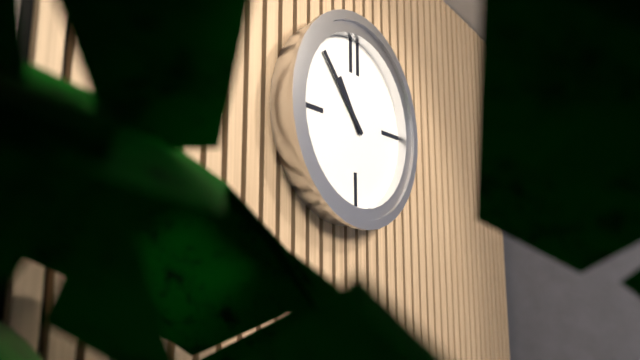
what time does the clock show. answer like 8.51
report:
10.53
